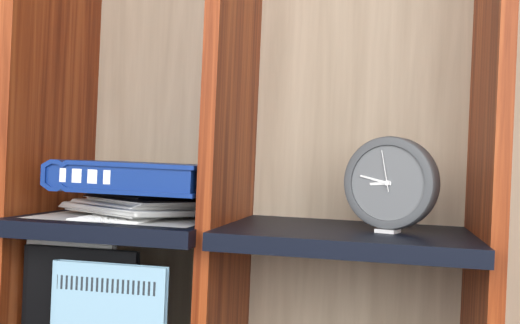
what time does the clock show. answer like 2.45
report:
8.47
